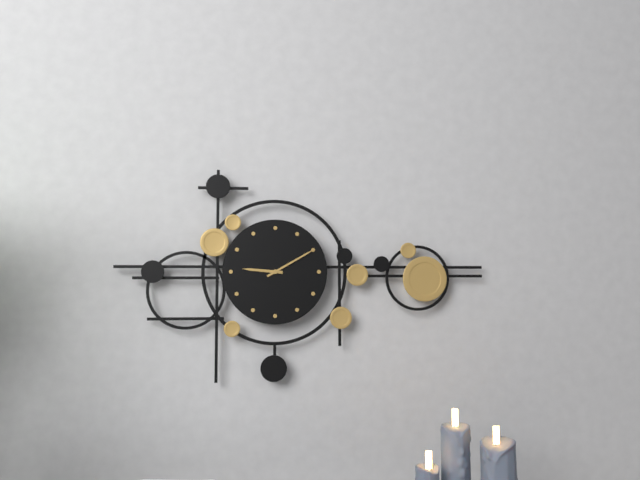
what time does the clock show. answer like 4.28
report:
9.10
